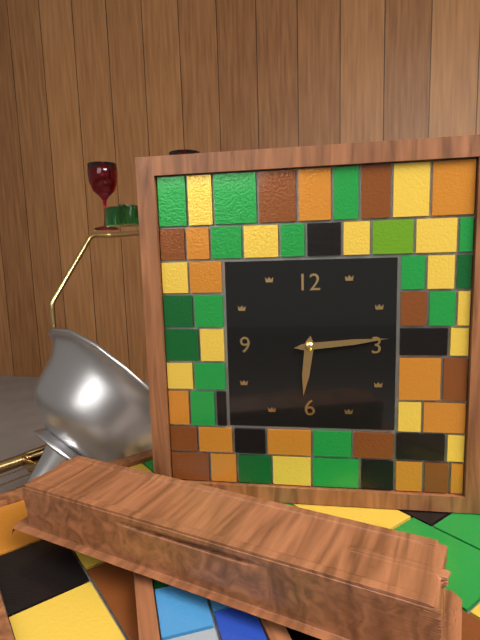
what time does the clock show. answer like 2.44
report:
6.14
